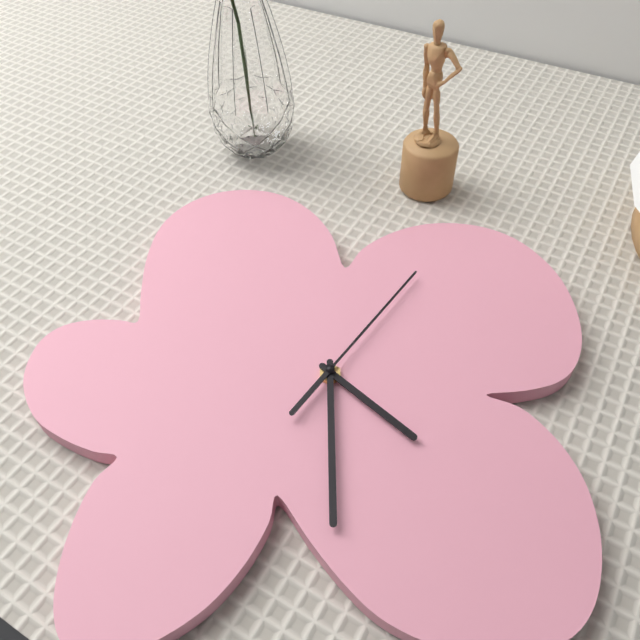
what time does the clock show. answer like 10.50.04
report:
4.30.06
